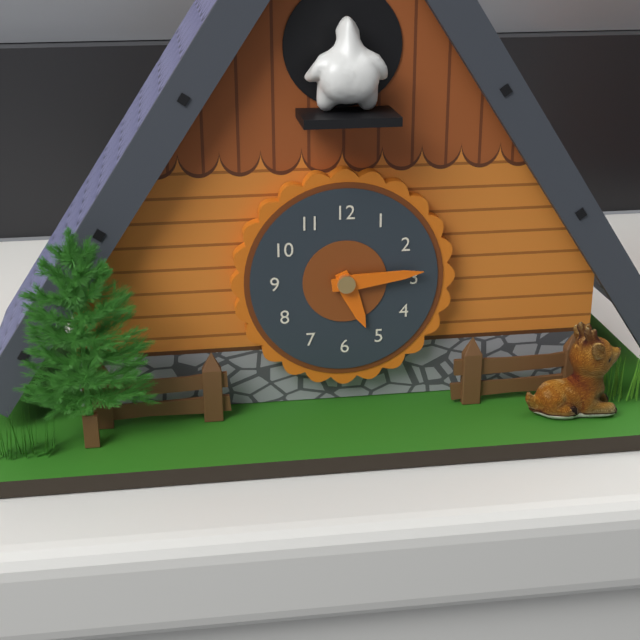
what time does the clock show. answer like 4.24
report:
5.14
